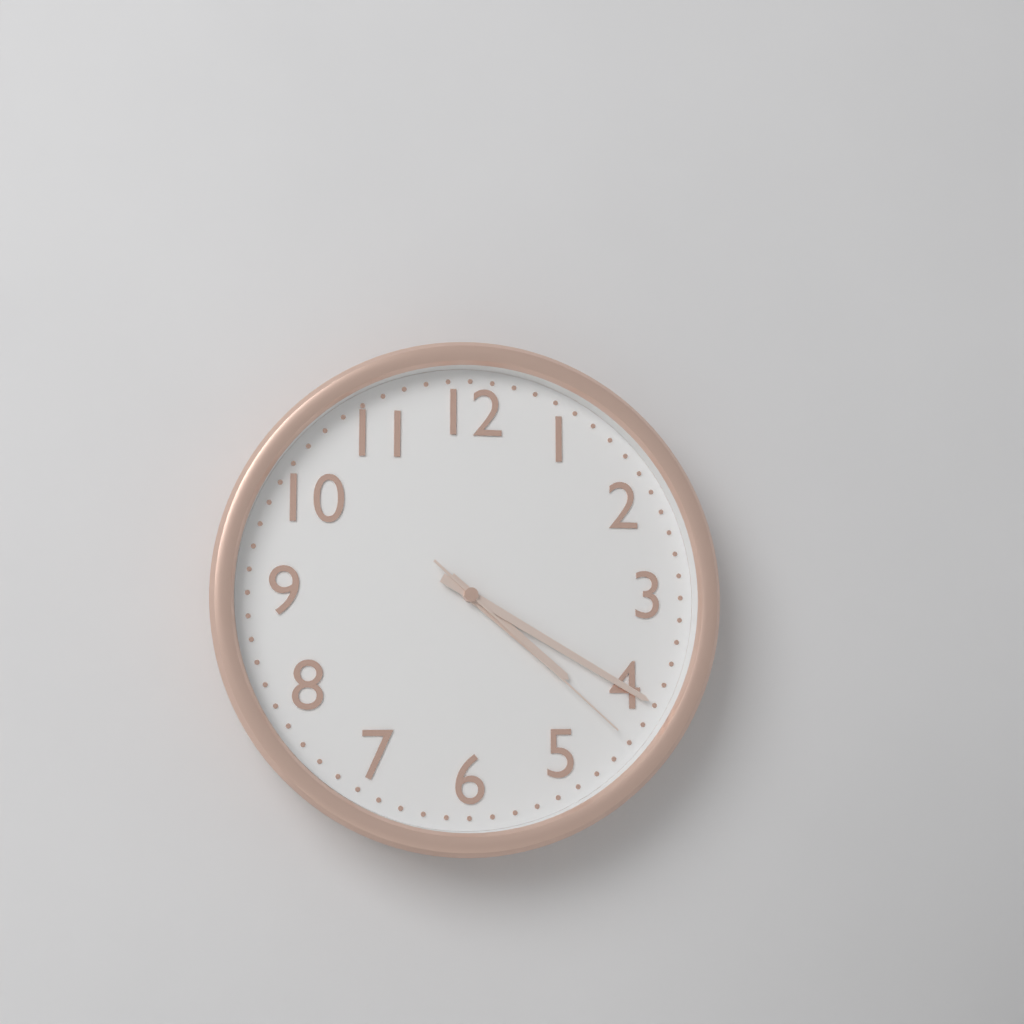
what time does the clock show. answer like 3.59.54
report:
4.20.22
